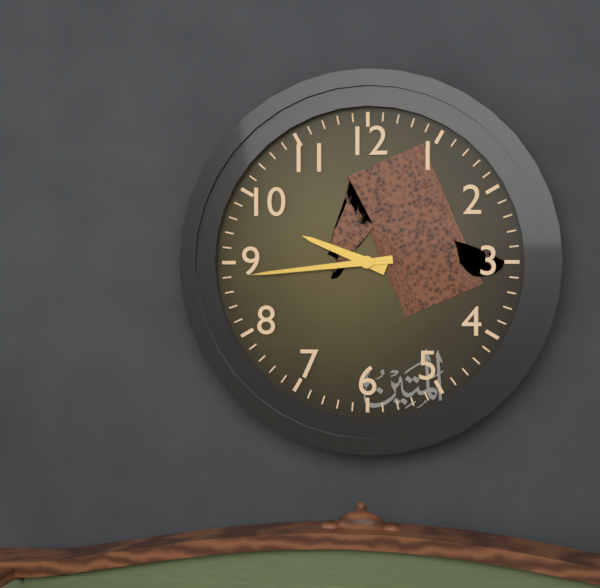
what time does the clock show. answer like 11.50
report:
9.44
